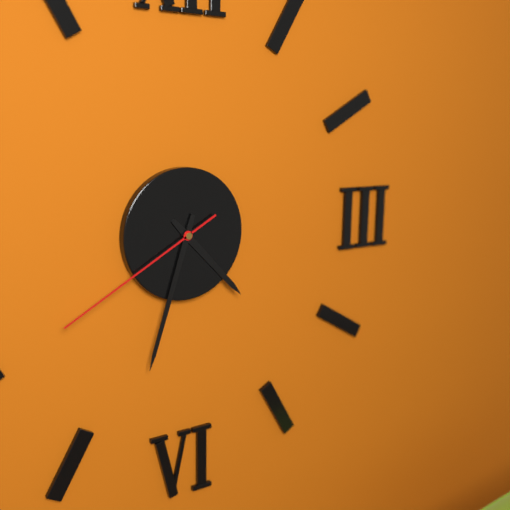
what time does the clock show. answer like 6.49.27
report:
4.33.40
